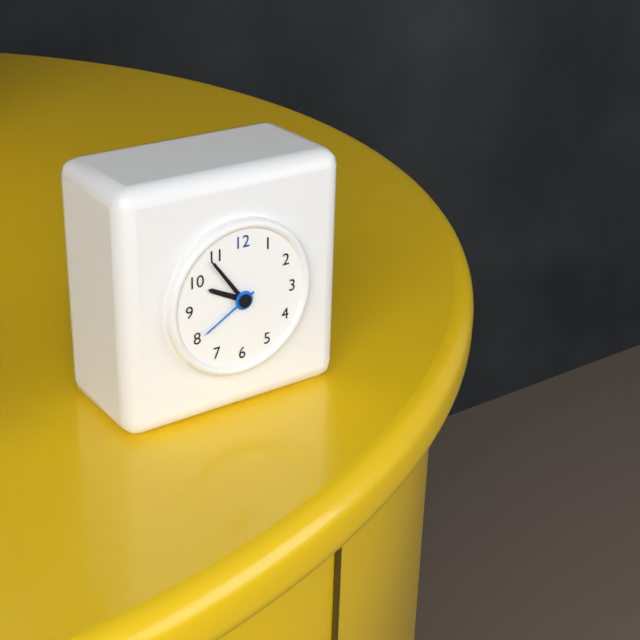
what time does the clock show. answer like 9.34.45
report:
9.54.40
